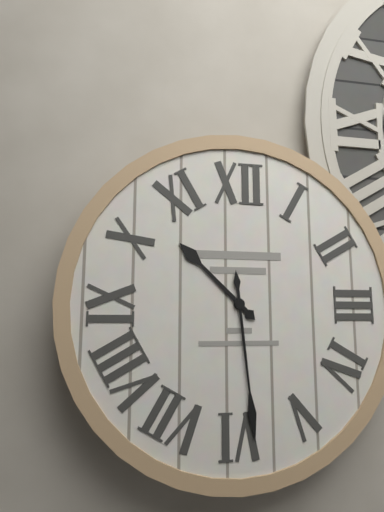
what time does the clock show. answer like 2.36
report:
10.29
